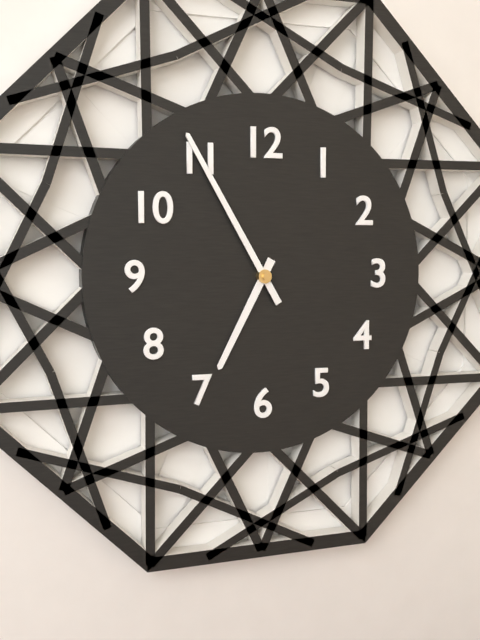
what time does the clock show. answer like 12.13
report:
6.55
